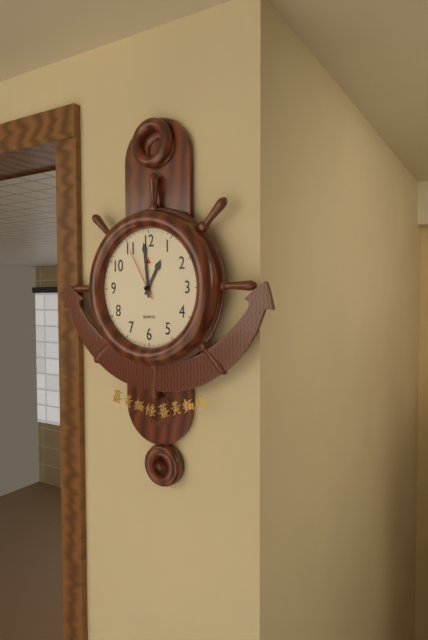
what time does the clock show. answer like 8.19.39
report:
12.59.55
